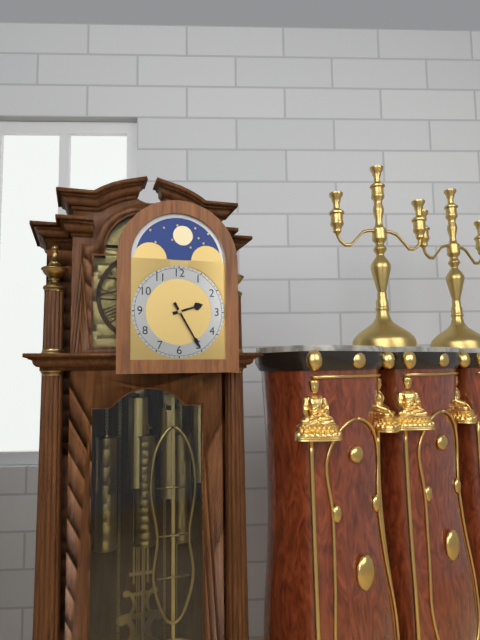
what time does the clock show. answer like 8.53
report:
2.25
